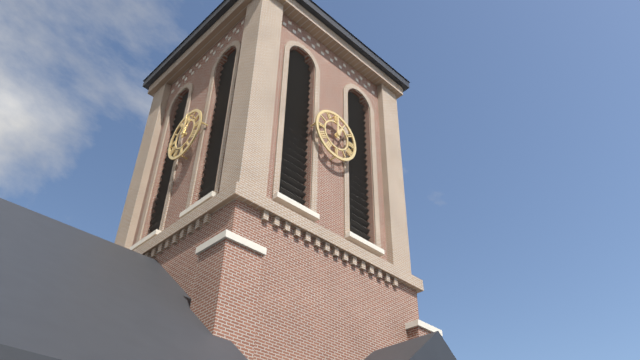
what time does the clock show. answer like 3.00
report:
1.00
